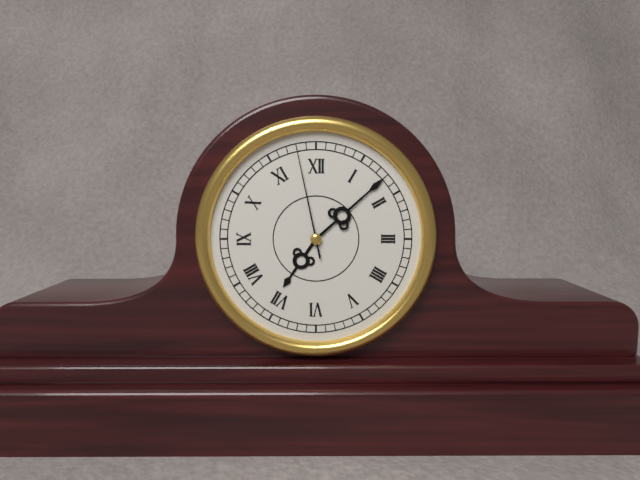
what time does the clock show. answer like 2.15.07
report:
7.08.58
